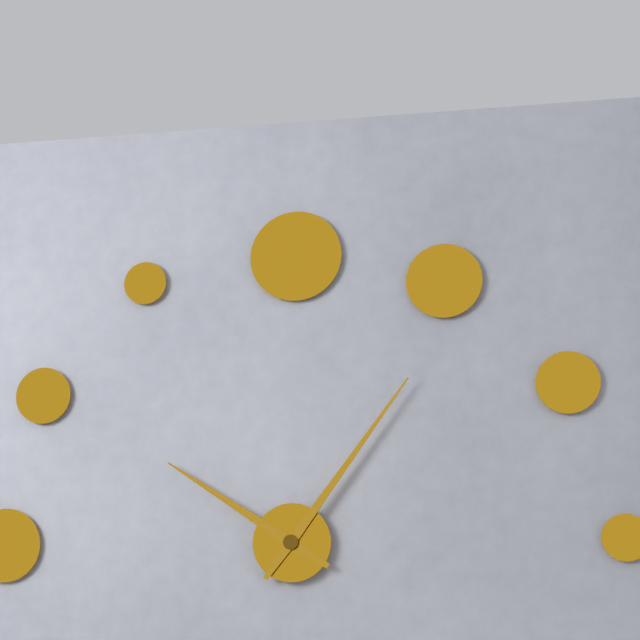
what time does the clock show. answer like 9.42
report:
10.06
